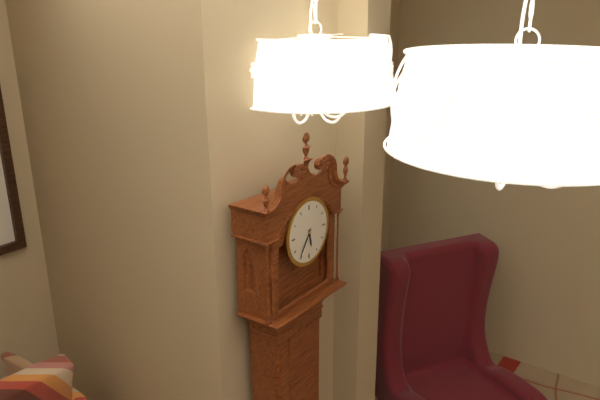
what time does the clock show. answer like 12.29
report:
5.36
